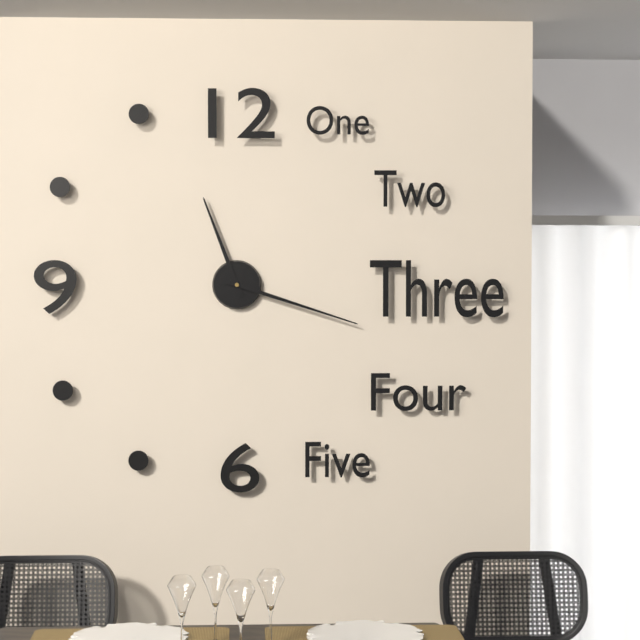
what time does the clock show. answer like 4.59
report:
11.18
